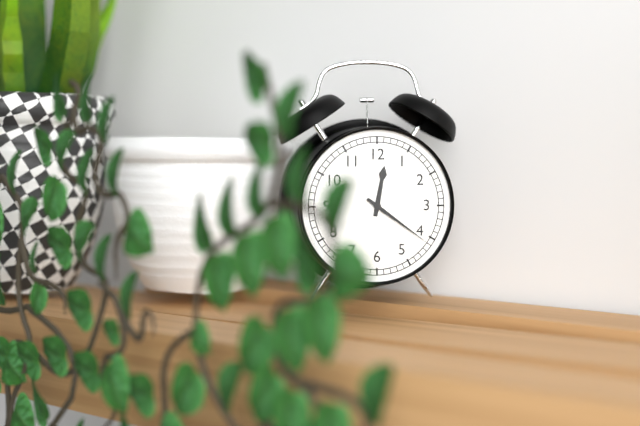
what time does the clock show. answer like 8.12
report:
12.21
